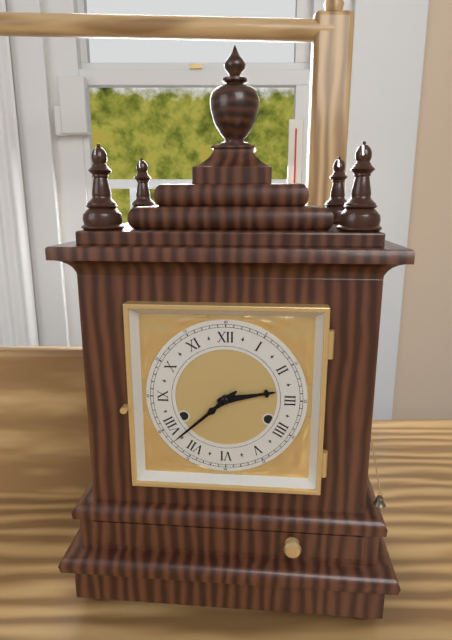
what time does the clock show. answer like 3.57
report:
2.38
